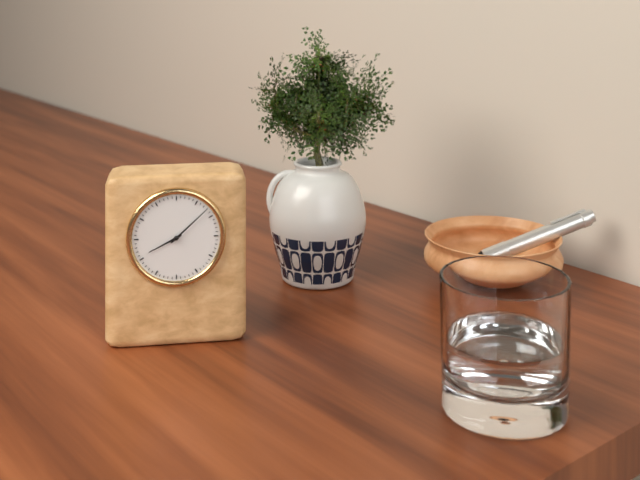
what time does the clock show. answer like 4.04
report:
8.08
